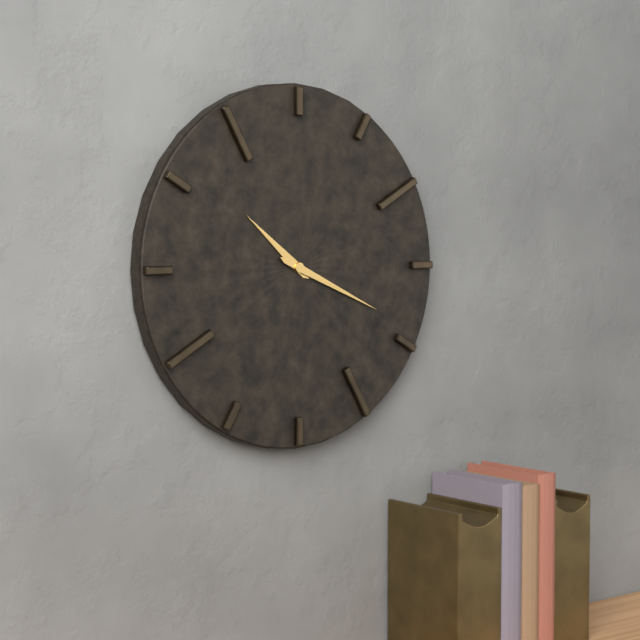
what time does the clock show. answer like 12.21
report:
10.19
